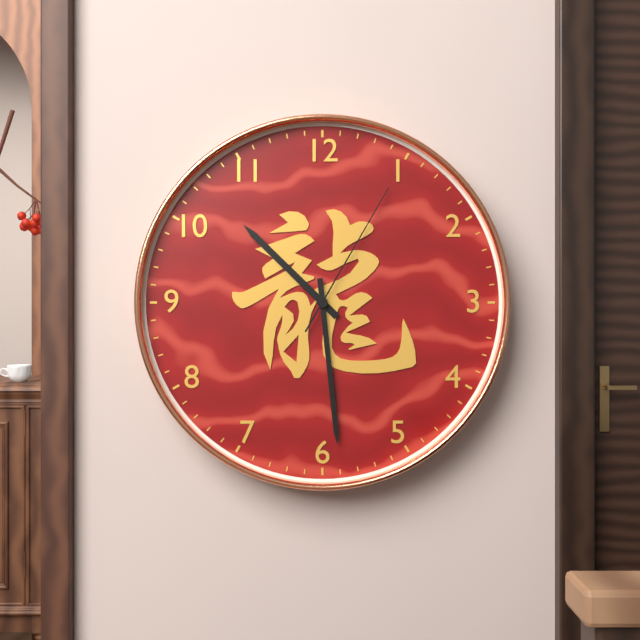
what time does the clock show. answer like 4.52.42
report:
10.29.05
